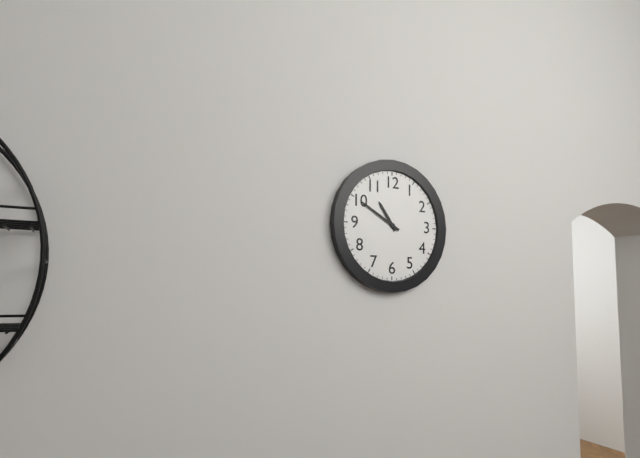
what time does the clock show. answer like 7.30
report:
10.50
